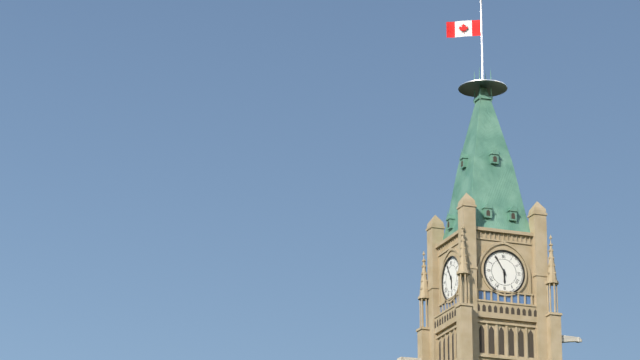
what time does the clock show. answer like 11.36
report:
5.55
